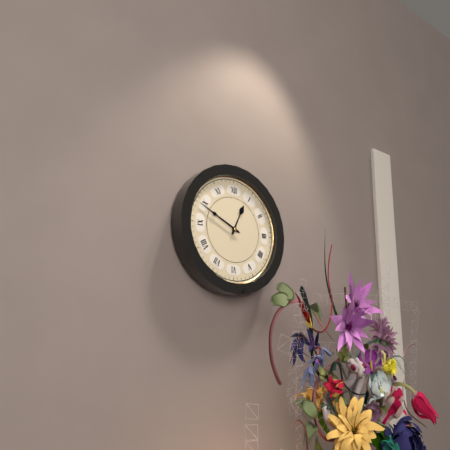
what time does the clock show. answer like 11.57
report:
12.49
